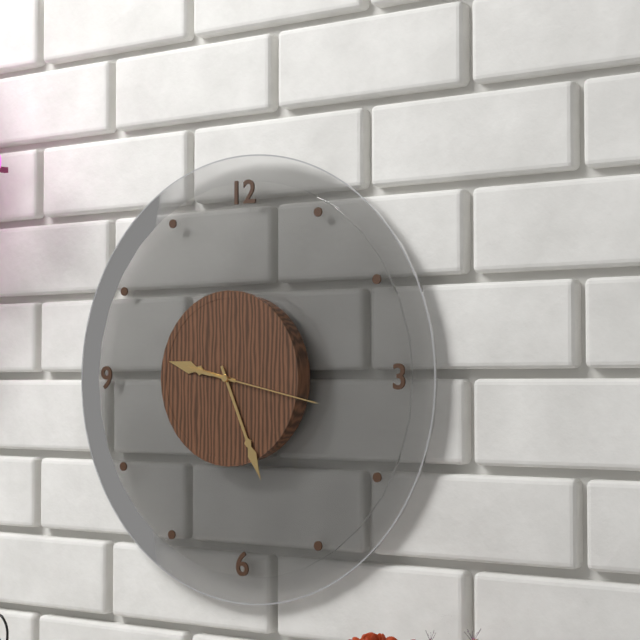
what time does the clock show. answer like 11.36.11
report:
9.26.17
